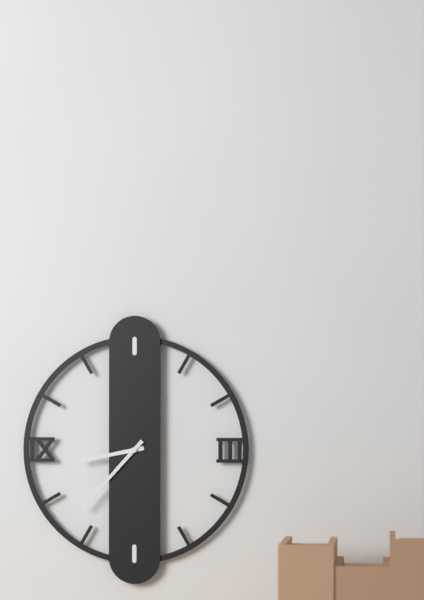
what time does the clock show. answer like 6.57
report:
8.37
